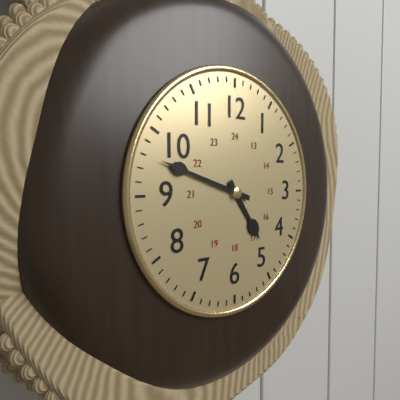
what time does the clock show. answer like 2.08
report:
4.48
